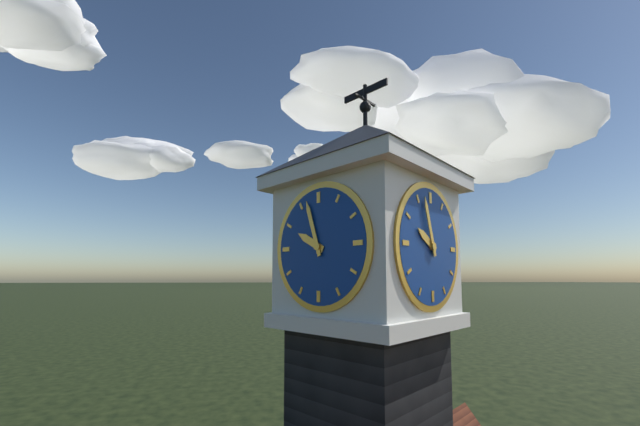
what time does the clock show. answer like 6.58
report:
9.57
